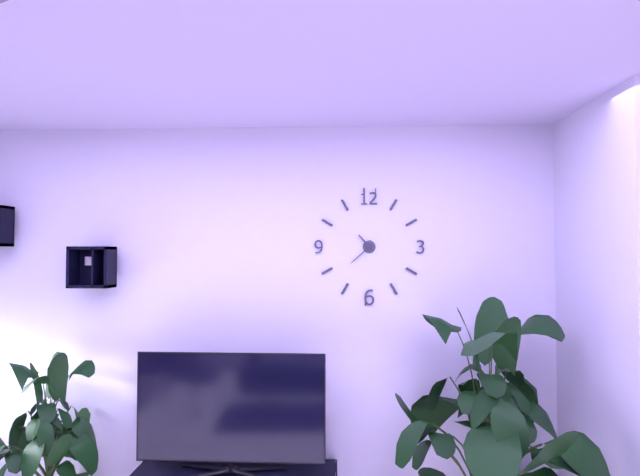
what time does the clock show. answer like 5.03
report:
10.38
